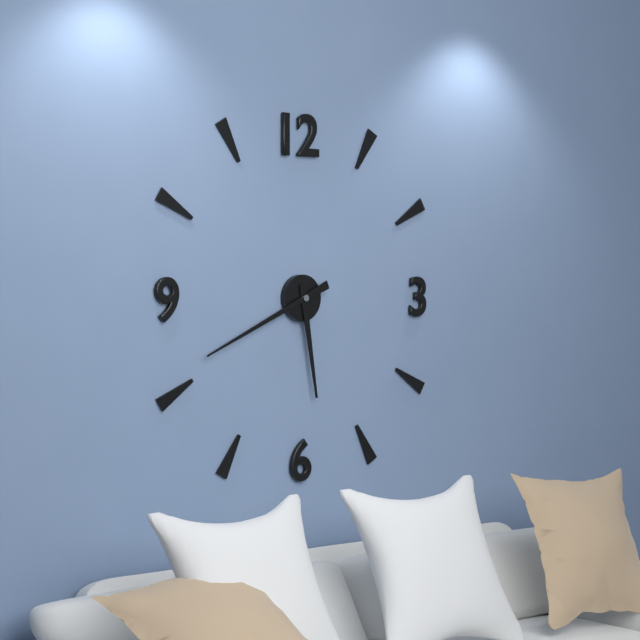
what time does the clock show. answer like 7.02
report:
5.41
